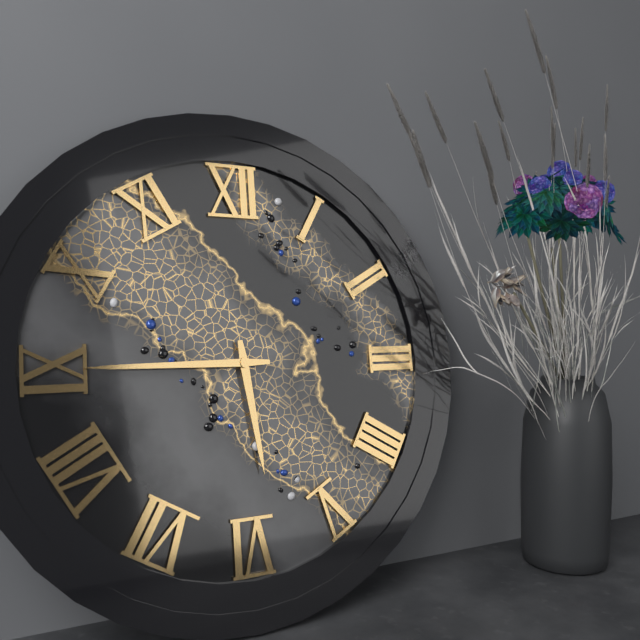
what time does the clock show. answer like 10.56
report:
5.45
